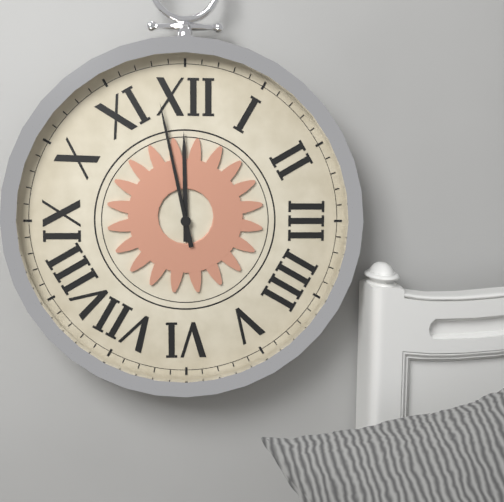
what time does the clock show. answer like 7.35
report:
11.58
